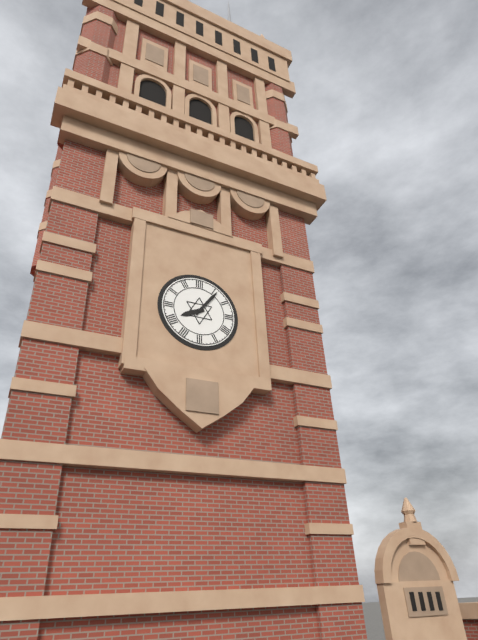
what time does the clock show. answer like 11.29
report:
8.06
